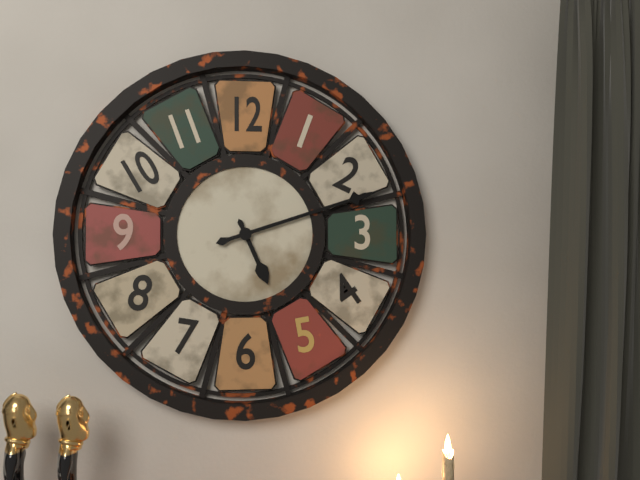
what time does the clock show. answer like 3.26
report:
5.12
